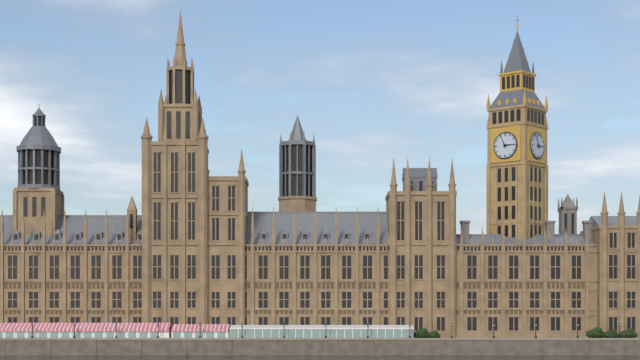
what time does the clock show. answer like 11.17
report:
2.56
